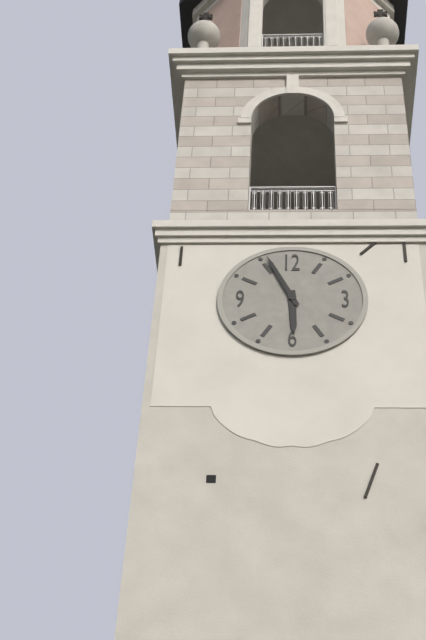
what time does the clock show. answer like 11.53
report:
5.56
